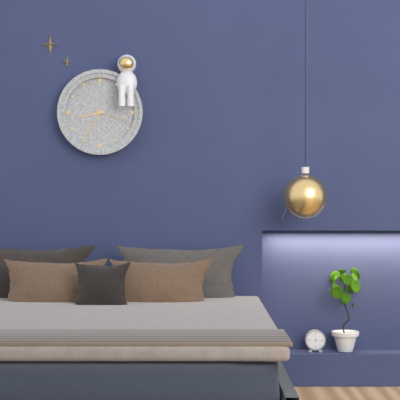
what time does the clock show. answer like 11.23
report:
8.35
